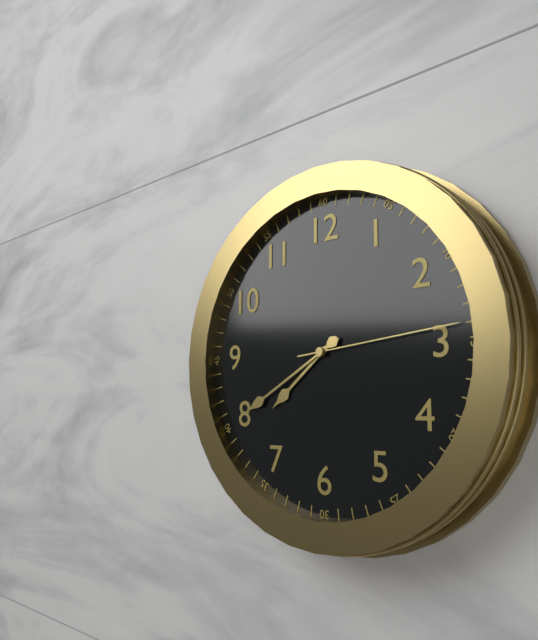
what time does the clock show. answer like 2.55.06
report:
7.40.14
